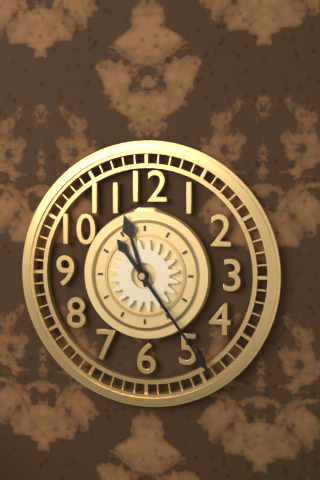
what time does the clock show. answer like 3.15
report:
11.24
